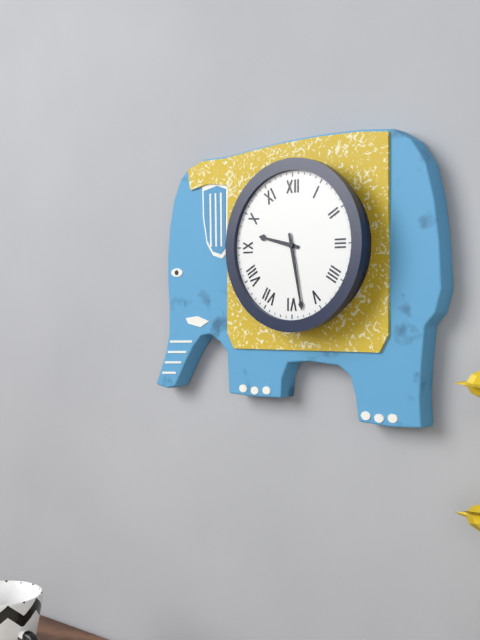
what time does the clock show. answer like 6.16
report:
9.28
